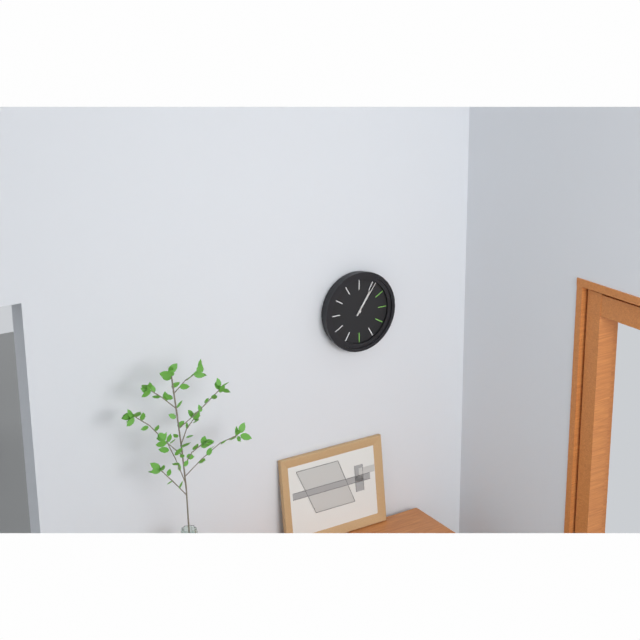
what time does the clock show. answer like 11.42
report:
1.06
